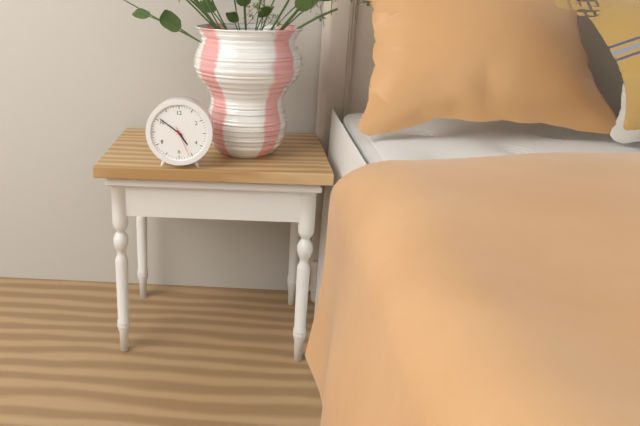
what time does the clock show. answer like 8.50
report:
4.51
